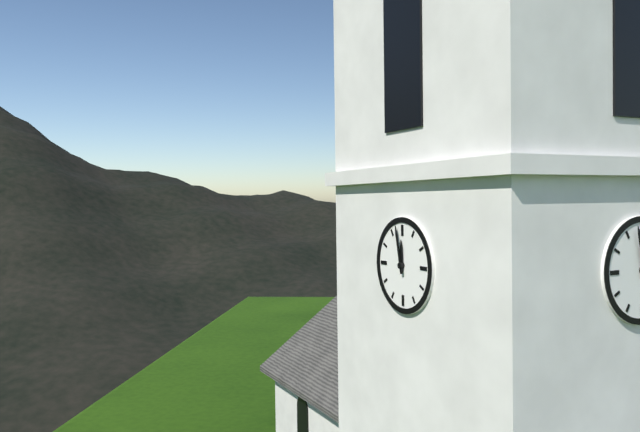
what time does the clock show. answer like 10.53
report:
11.58
